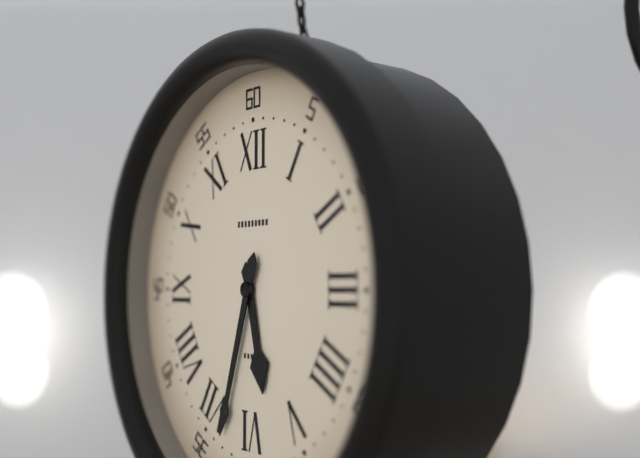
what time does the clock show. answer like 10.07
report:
5.33
